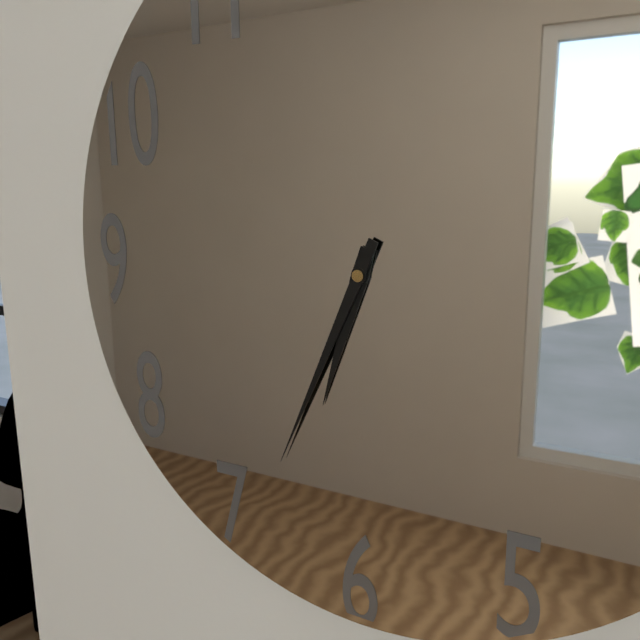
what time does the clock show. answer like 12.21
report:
6.34
